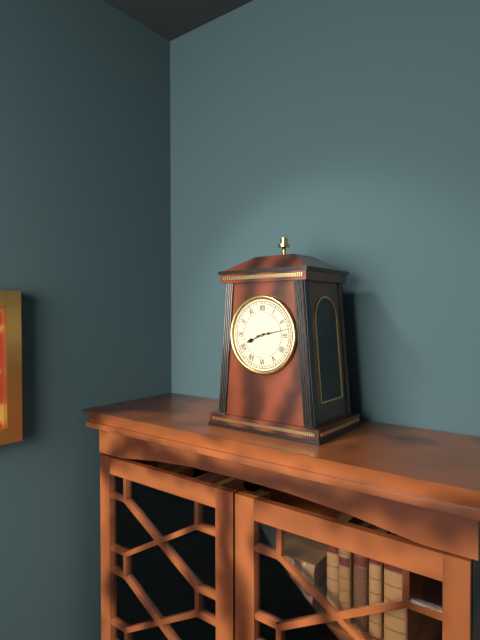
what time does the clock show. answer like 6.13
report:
8.13
